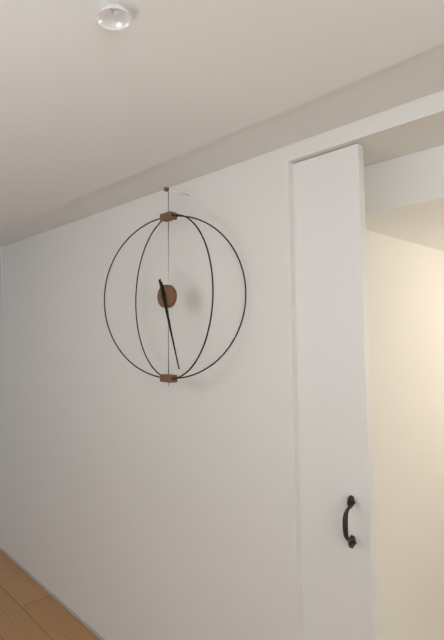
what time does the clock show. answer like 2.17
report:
5.27
